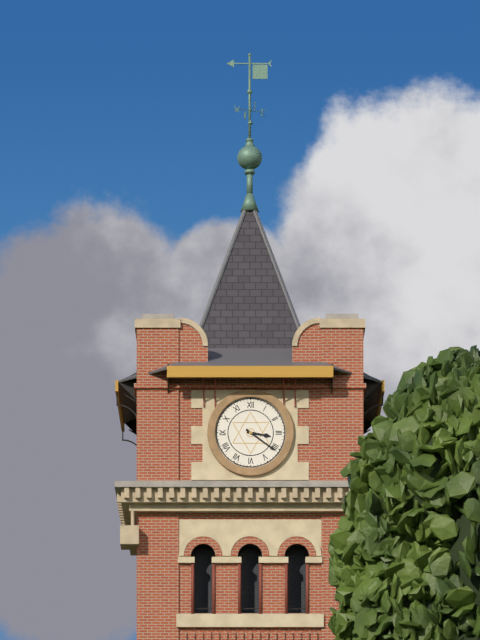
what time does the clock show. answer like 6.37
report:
3.21
